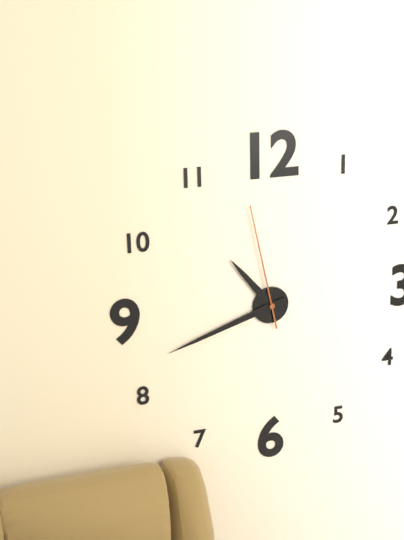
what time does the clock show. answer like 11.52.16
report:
10.42.58
